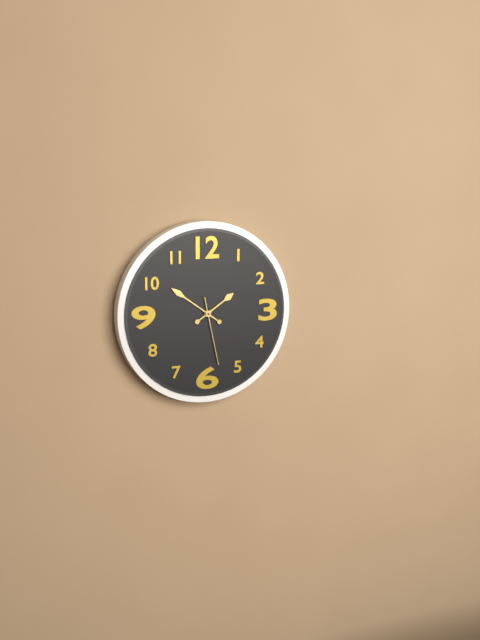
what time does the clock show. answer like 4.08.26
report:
1.51.28
